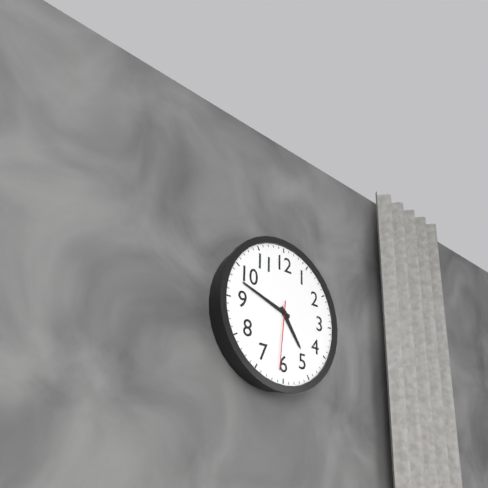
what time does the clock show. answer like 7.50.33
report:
4.48.31
